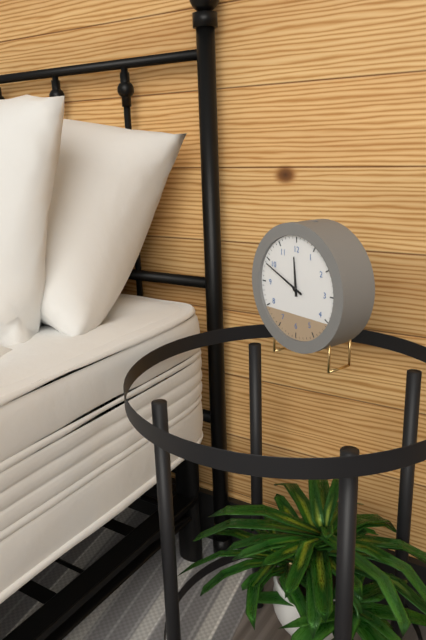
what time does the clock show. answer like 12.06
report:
11.49
